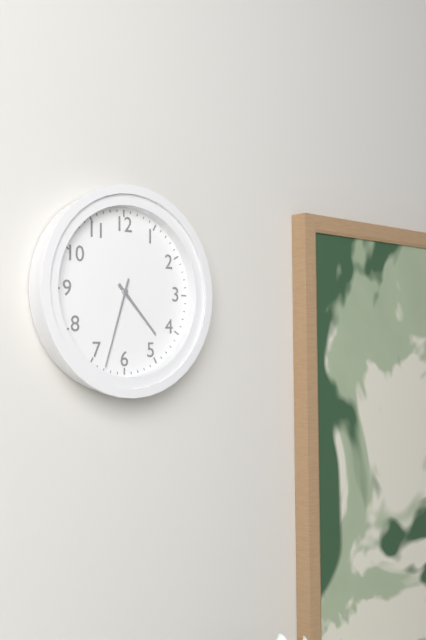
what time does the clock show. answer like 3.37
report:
4.33
